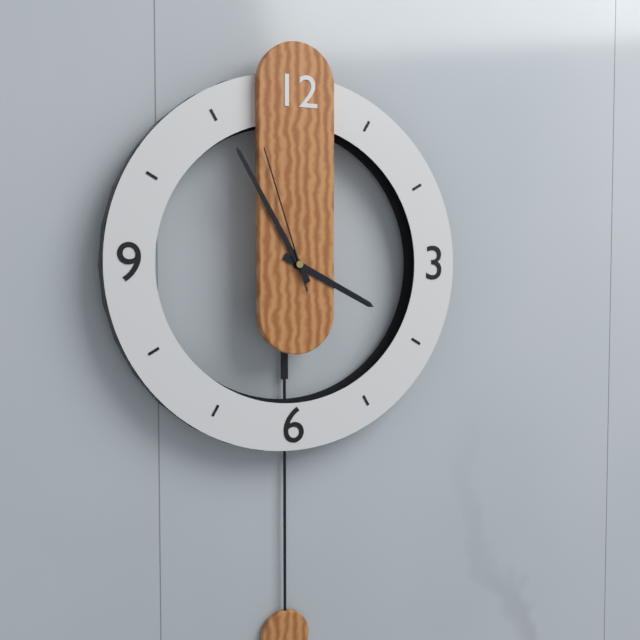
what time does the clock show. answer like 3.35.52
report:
3.55.57
